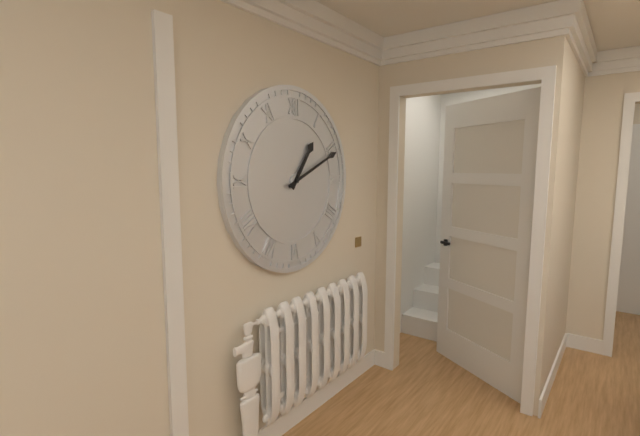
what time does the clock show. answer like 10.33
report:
1.11
